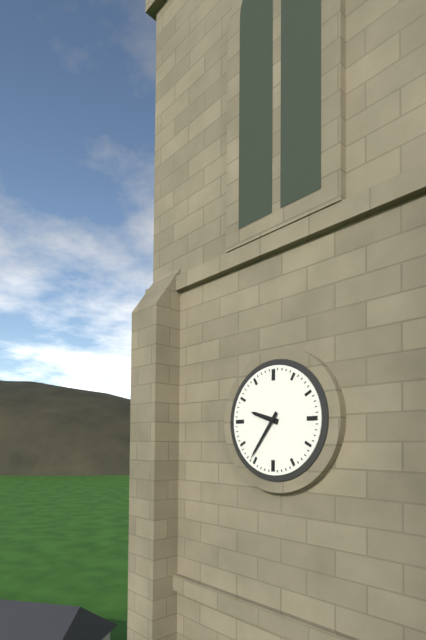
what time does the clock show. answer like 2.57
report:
9.36
